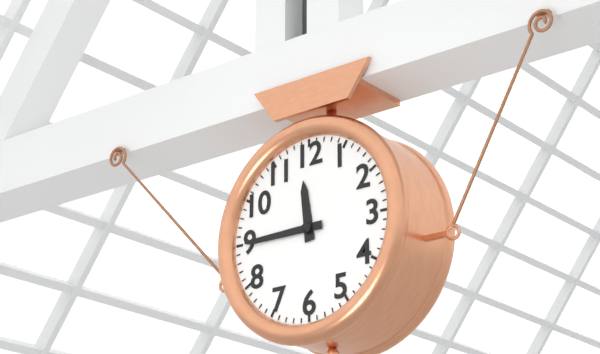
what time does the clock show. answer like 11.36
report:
11.45
